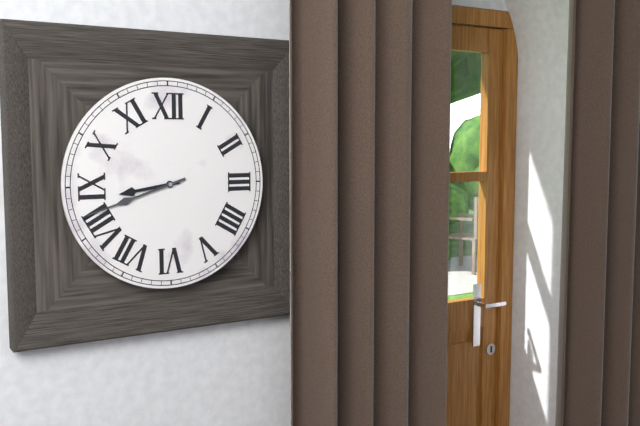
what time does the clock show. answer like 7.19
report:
8.42
